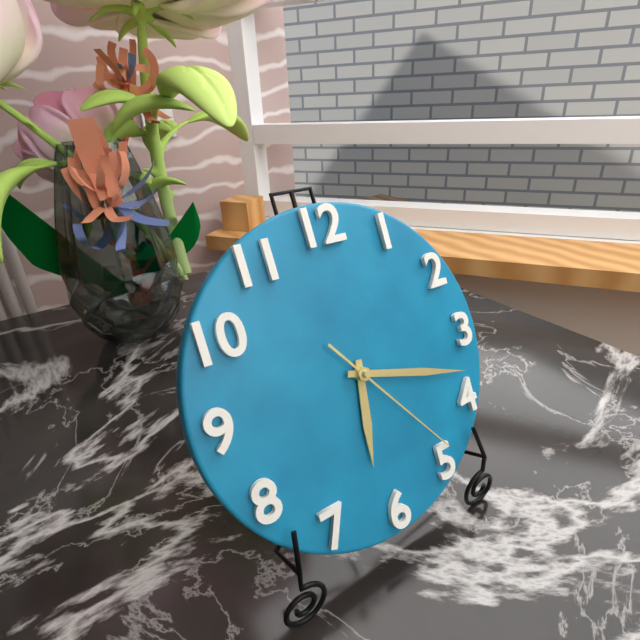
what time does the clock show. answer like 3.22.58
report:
6.18.24
